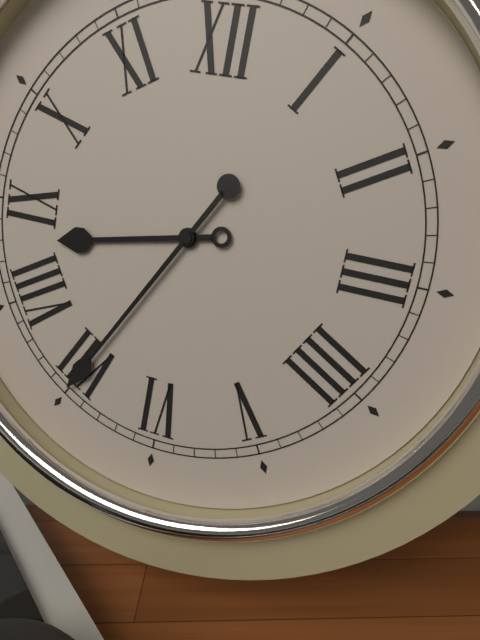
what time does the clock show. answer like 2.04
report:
8.35
